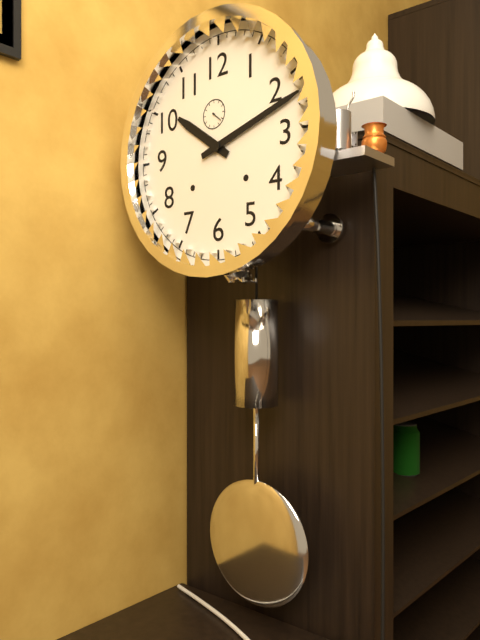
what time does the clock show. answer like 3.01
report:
10.12
